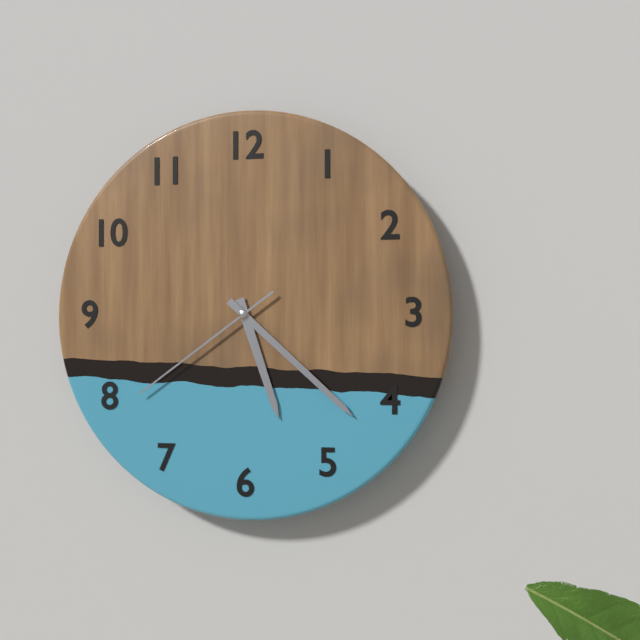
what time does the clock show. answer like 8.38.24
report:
5.22.39
